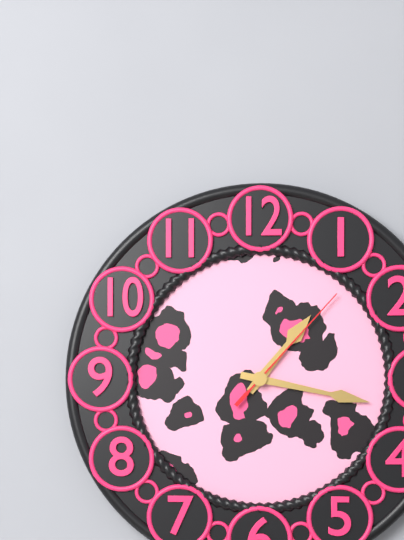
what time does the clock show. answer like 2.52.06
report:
1.17.07
